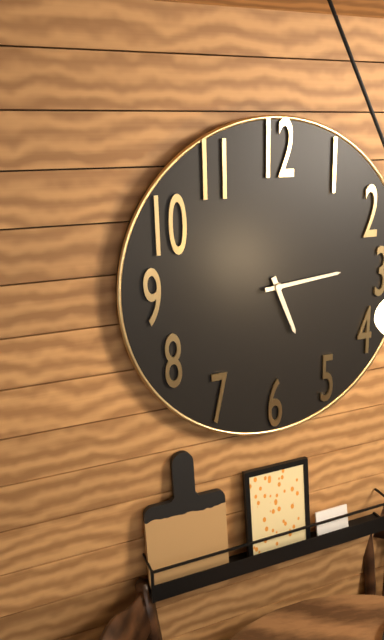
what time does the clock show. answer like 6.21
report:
5.14
